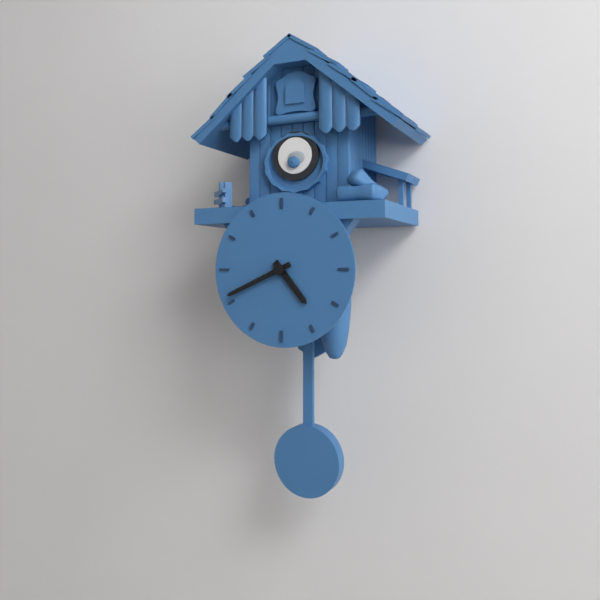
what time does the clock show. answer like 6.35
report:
4.41
